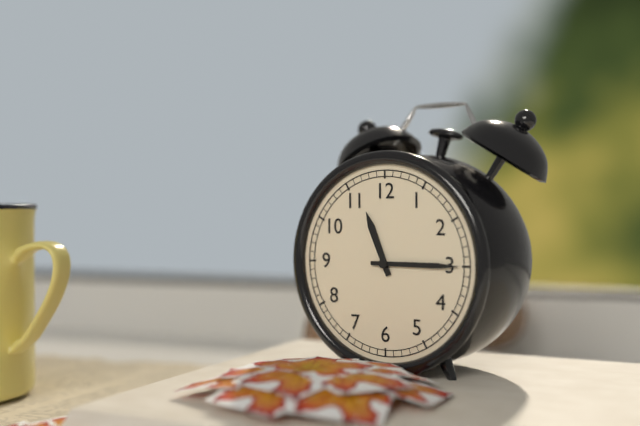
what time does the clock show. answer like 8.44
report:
11.15
